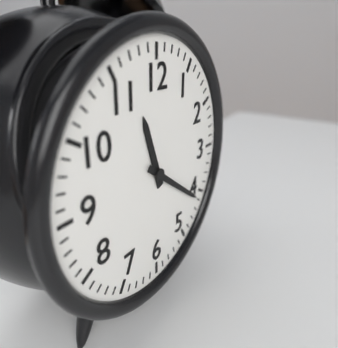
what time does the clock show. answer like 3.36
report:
11.21
